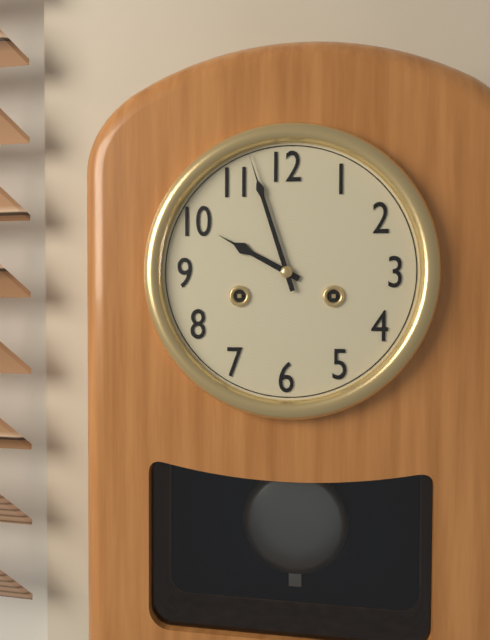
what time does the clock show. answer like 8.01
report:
9.57
